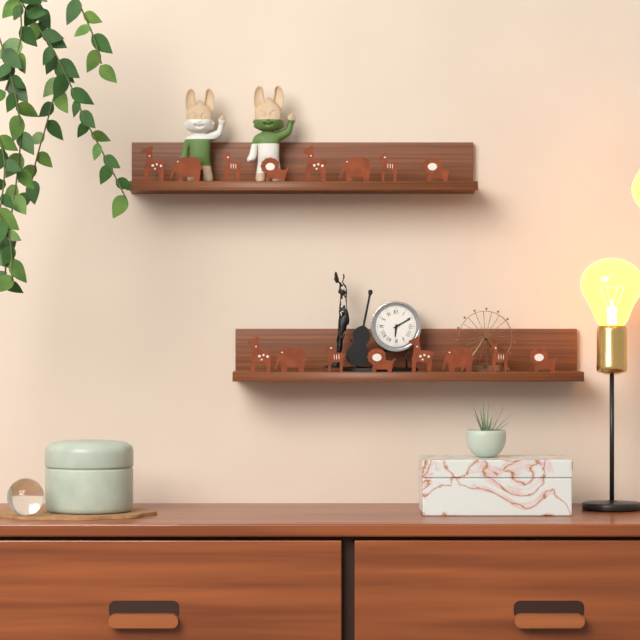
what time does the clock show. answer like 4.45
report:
6.10
